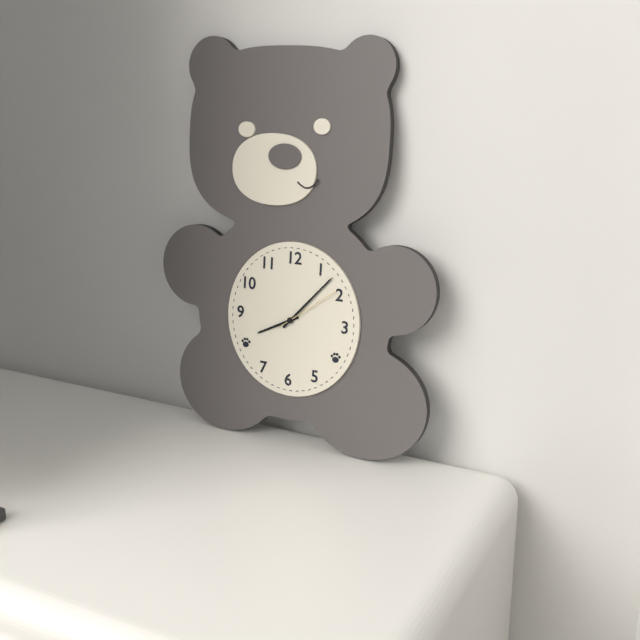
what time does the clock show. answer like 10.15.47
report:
8.07.09
